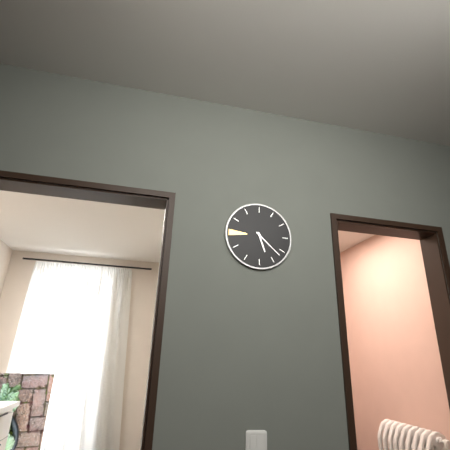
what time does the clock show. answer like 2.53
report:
5.22
